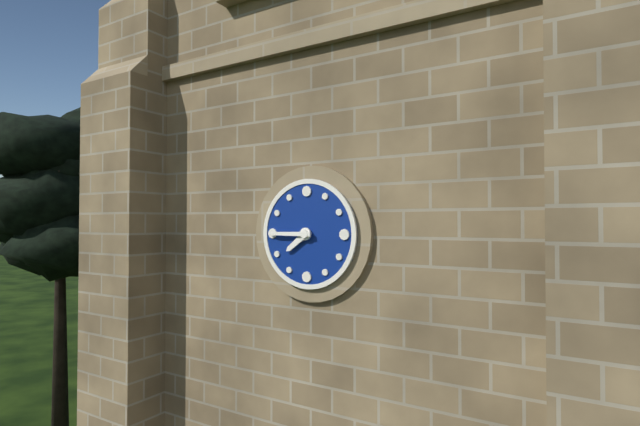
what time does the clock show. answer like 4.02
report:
7.45
